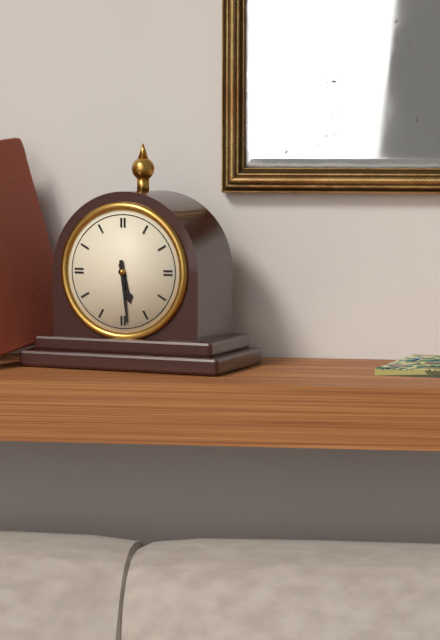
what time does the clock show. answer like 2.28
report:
5.29
